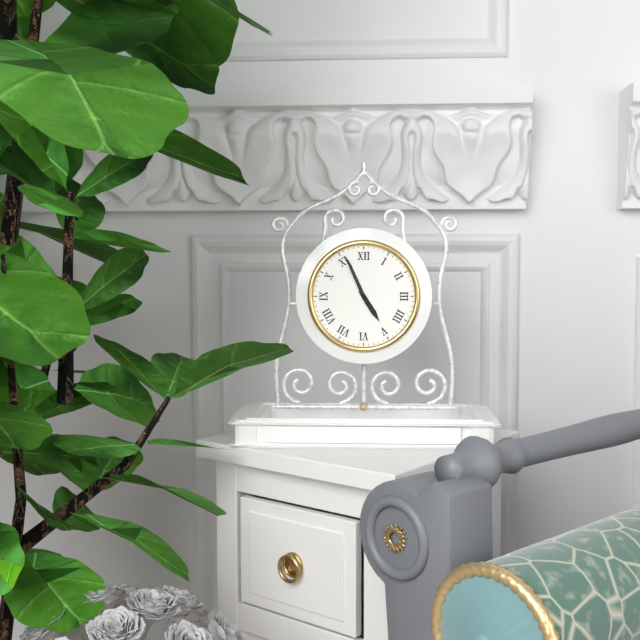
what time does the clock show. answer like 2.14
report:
4.56
